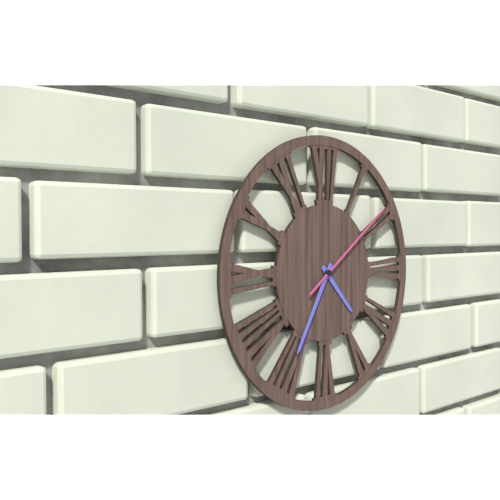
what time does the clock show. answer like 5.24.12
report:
4.35.09
